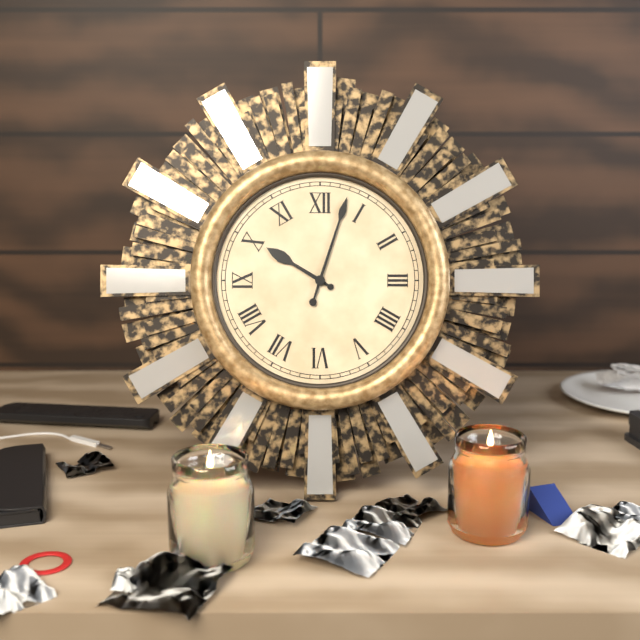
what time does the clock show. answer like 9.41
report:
10.03
